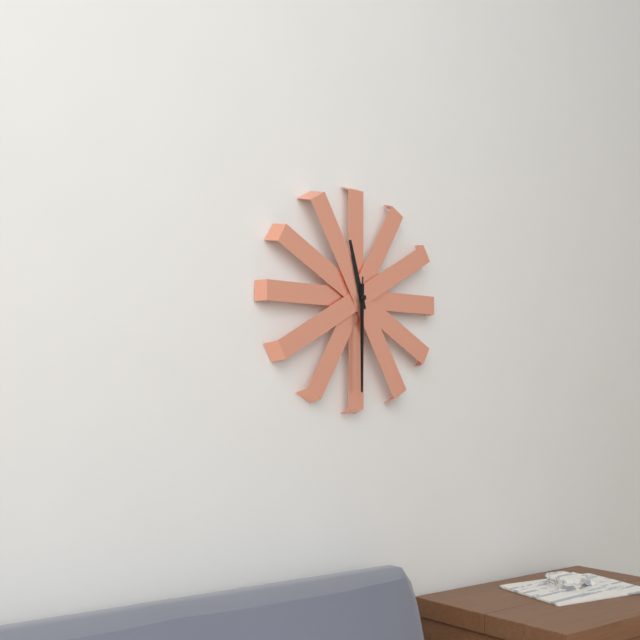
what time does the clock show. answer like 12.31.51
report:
11.30.30
